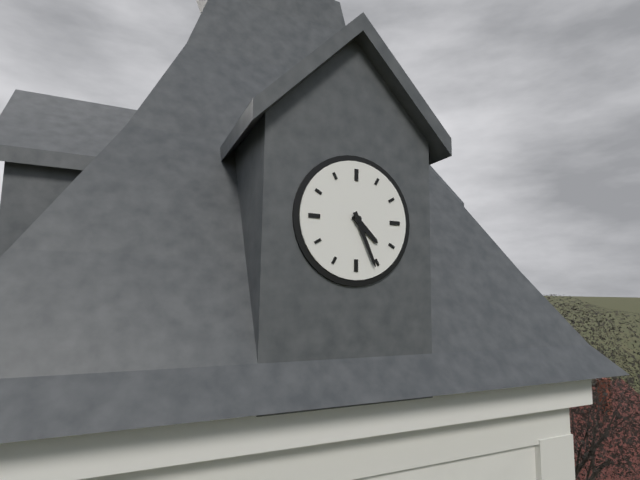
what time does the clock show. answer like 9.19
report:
4.26
